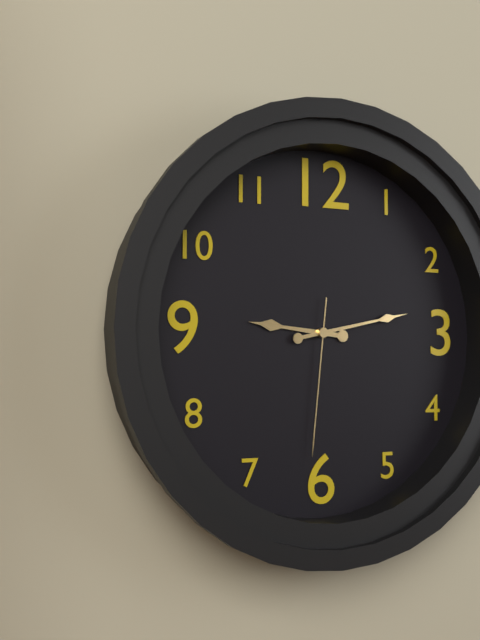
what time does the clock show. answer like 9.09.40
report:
9.13.31
